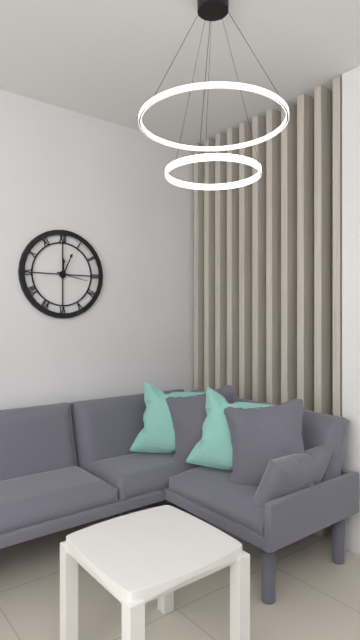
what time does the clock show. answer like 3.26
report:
12.04
